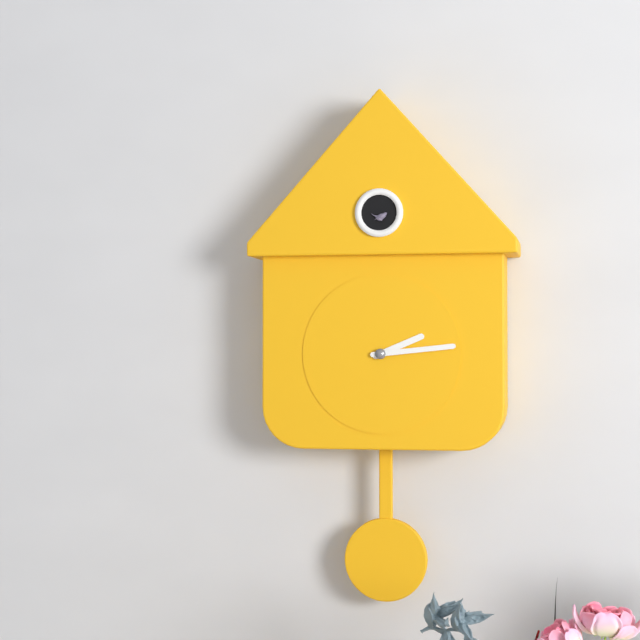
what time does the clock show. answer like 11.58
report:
2.14
